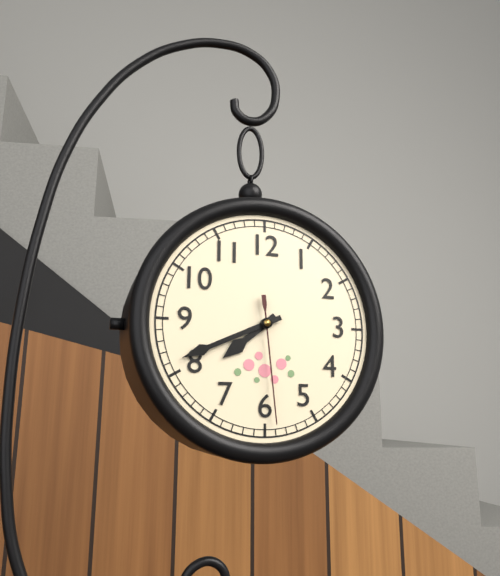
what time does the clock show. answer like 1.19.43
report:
7.41.29
